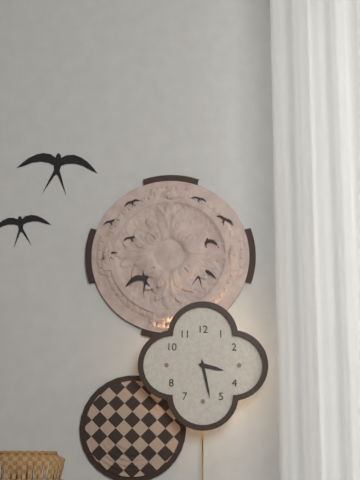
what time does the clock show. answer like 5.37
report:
3.28
